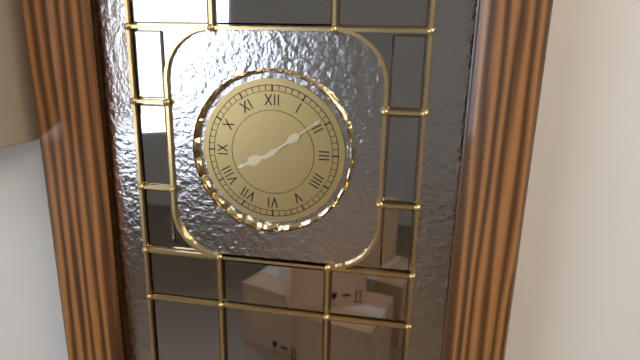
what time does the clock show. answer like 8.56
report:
8.09
